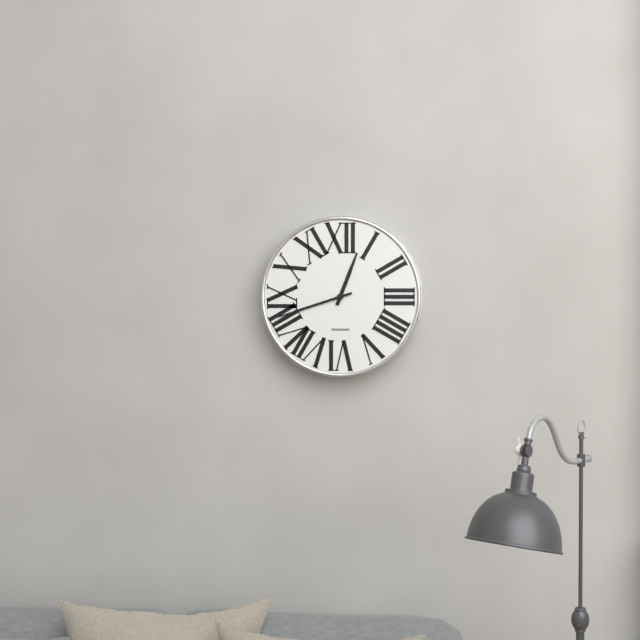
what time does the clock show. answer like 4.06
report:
12.42
